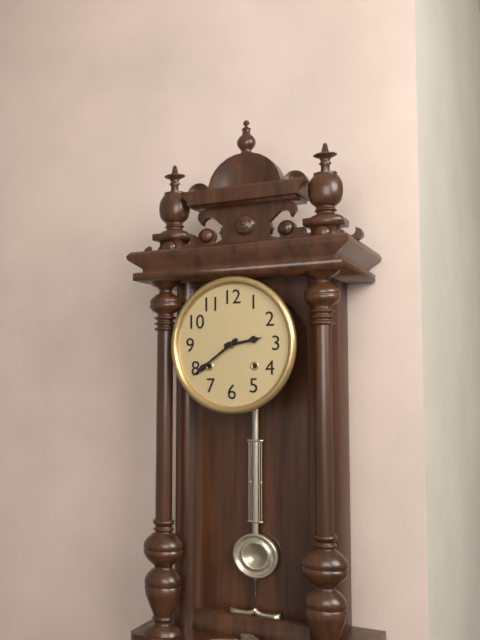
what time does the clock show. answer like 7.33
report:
2.39
